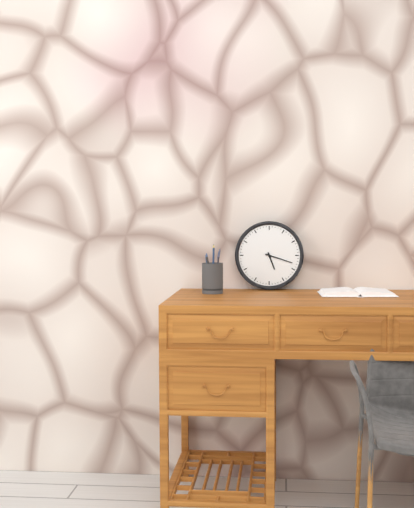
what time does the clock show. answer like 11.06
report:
5.18
